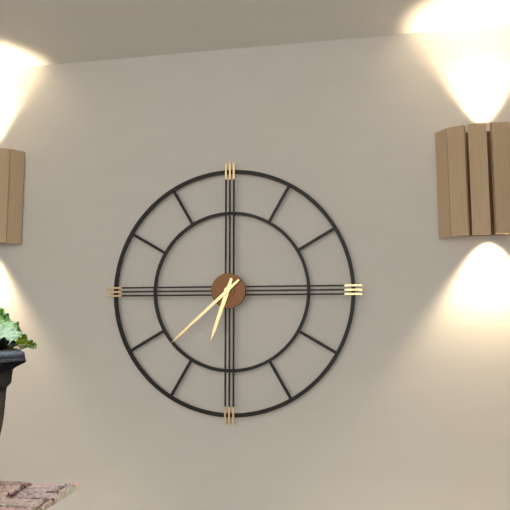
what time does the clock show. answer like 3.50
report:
6.38
